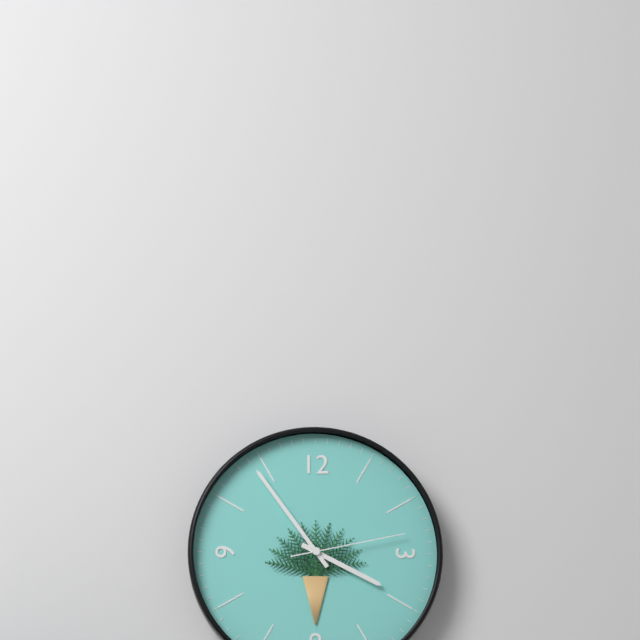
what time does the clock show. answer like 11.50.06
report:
3.54.13
